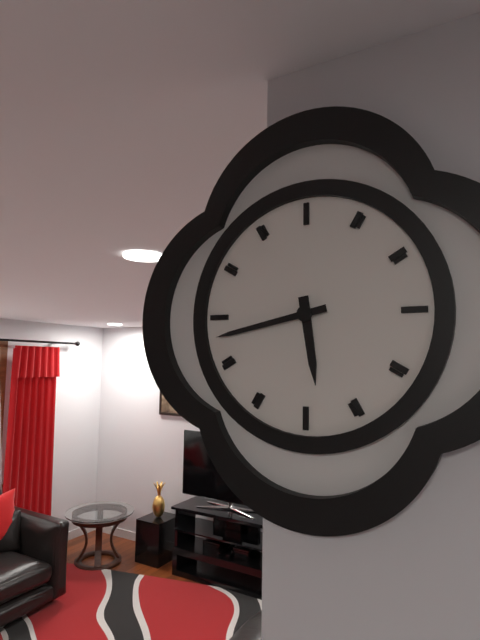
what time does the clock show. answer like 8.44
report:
5.43
